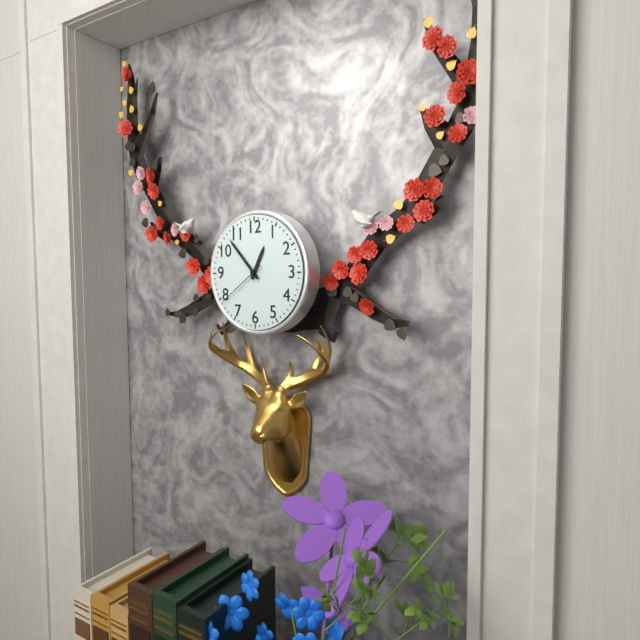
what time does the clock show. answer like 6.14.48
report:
12.53.39
